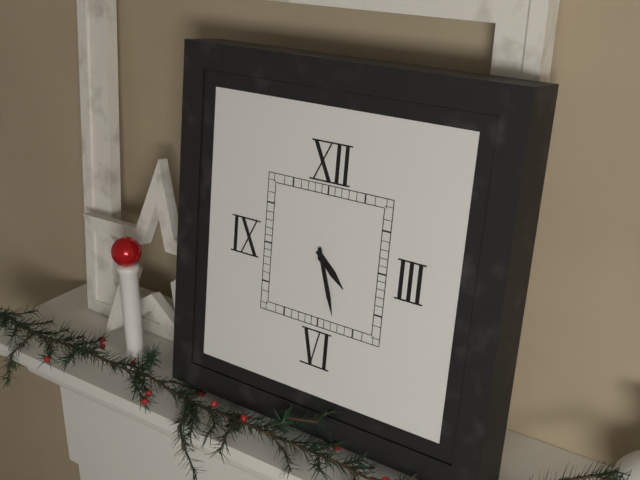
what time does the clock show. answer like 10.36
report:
4.27
